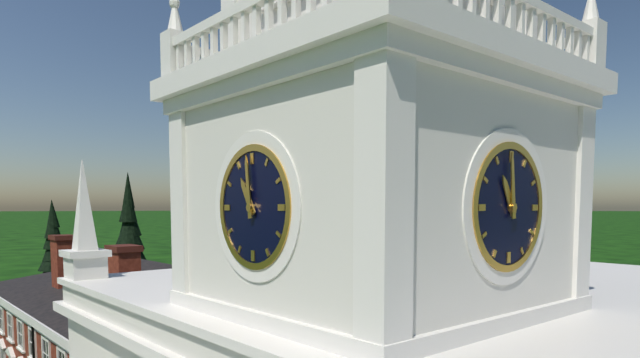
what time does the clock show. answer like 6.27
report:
10.59
